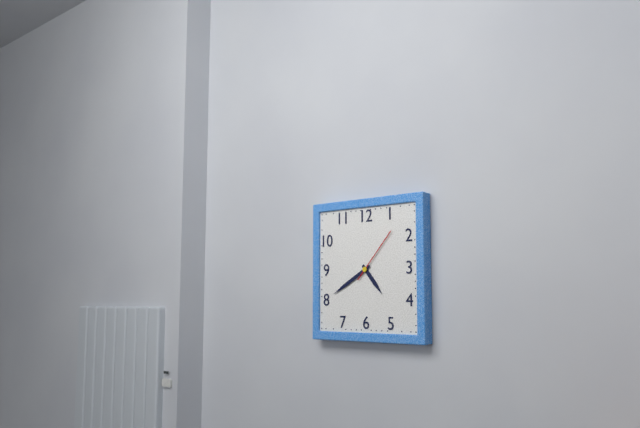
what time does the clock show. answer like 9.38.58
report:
4.40.07
